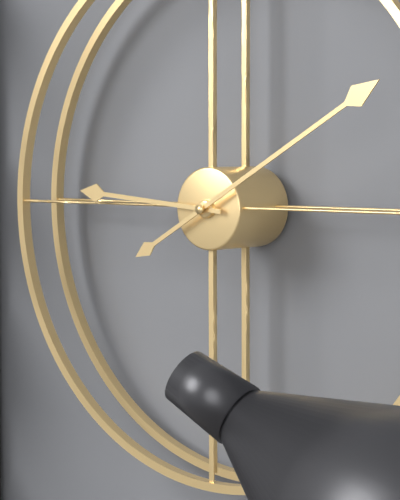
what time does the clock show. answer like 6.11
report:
9.10
